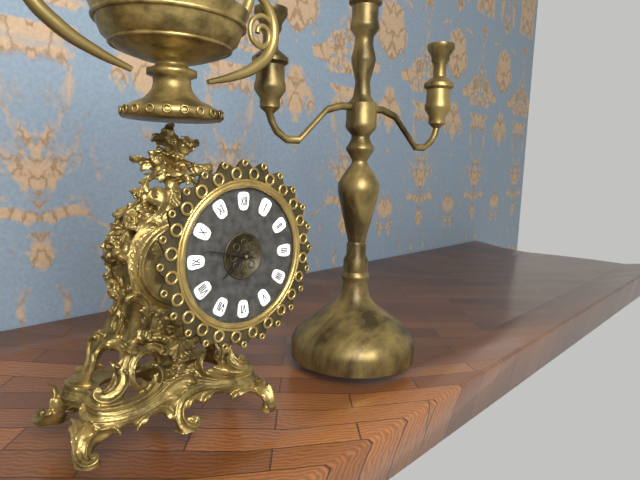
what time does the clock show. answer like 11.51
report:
7.47
